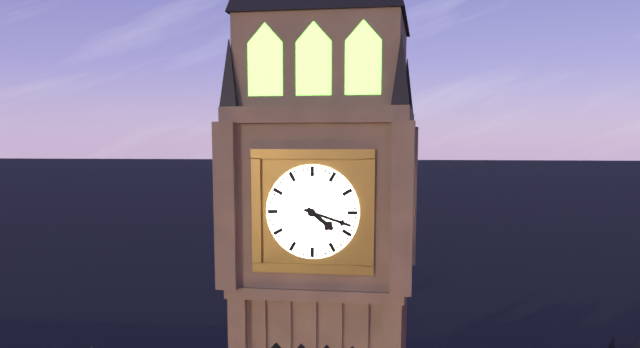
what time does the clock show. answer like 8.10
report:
4.18
